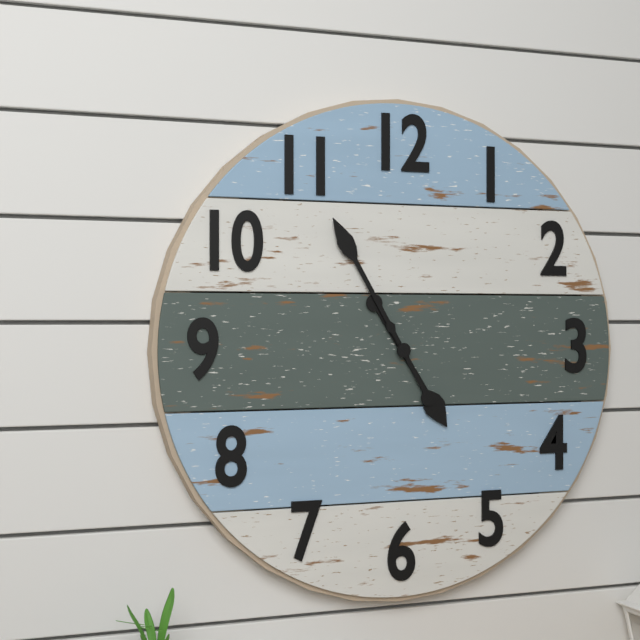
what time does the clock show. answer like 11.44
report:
4.55
